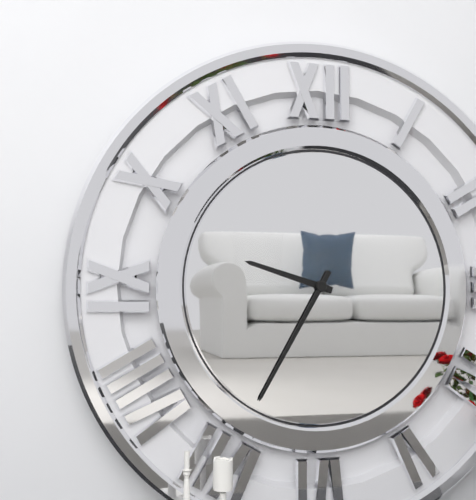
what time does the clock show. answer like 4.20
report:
9.35
